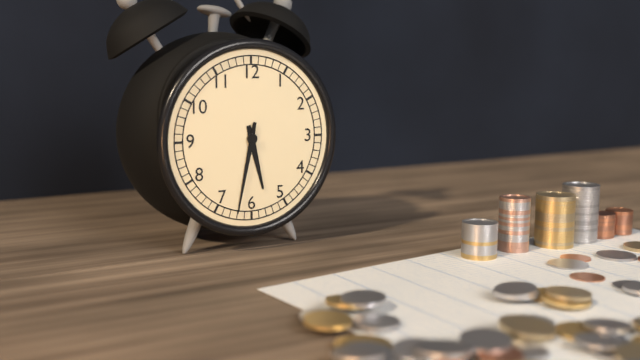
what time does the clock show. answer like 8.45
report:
5.32
